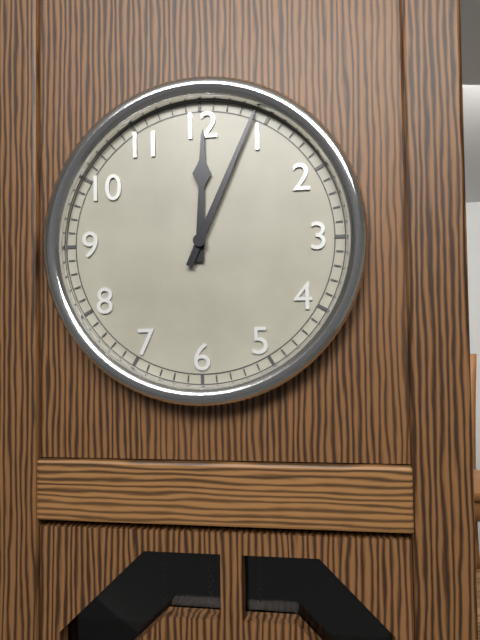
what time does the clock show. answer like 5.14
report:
12.04
